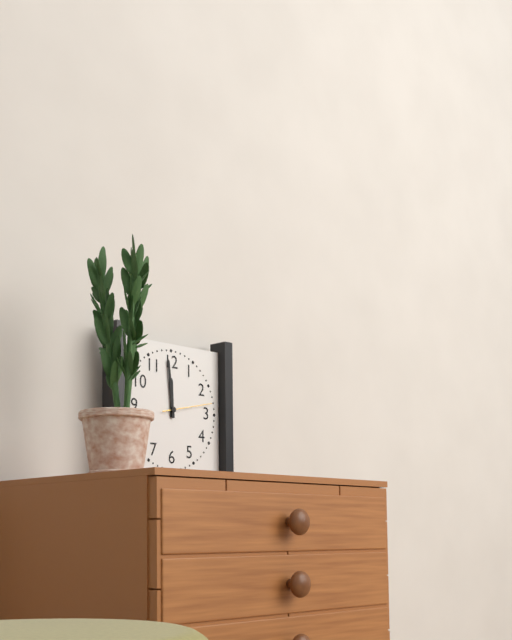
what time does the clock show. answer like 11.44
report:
11.59
